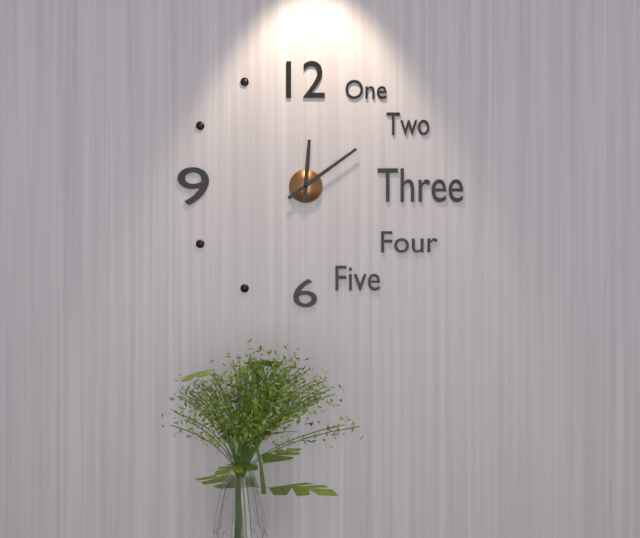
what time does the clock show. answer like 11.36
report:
12.09
